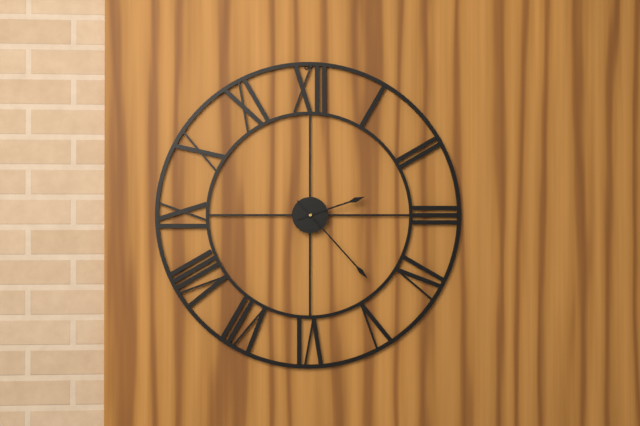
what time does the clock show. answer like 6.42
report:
2.23
